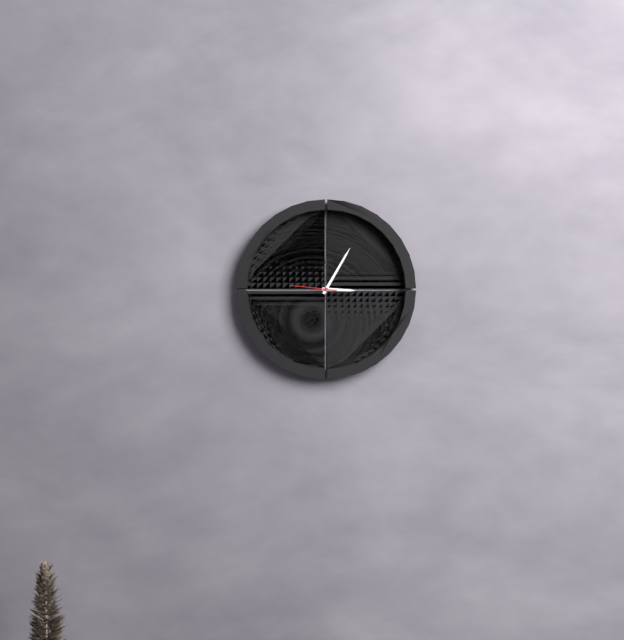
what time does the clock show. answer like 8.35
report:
3.05
